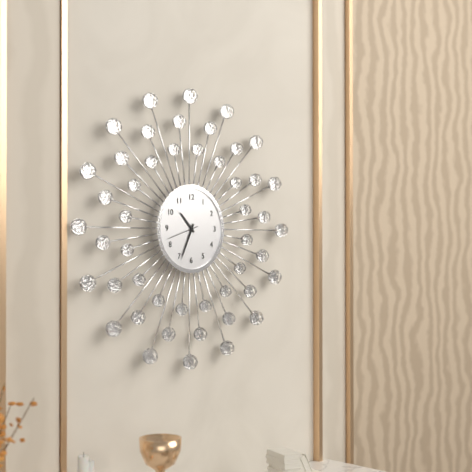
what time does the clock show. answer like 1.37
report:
10.34
